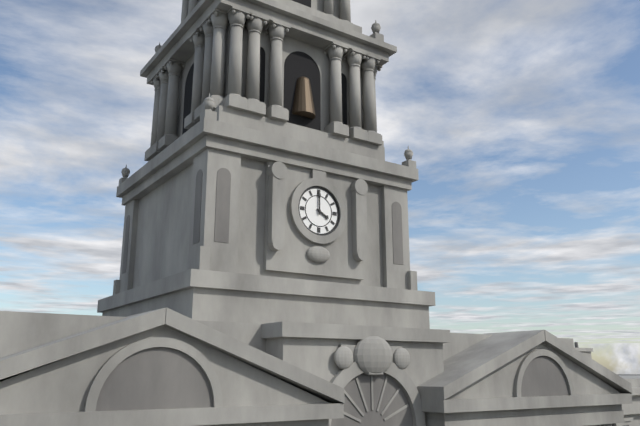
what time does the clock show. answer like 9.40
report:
4.00
